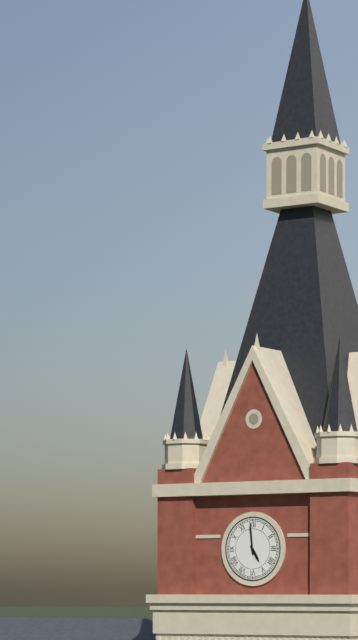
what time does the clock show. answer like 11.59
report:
4.59
